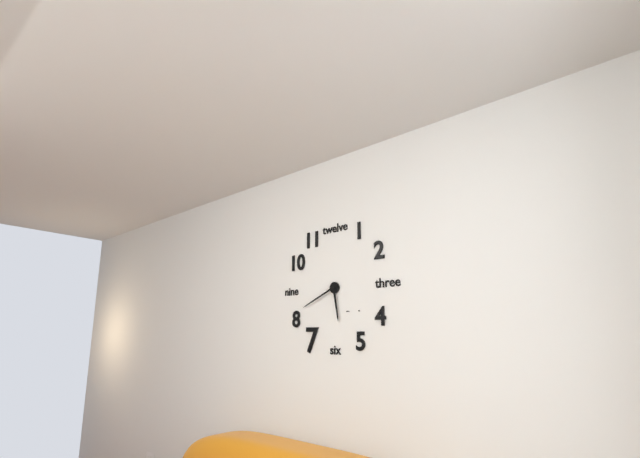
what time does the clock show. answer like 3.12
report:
5.41
